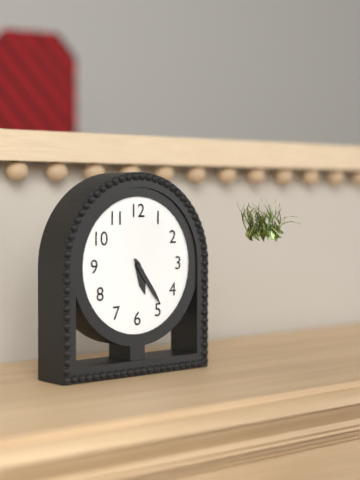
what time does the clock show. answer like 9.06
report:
5.24
